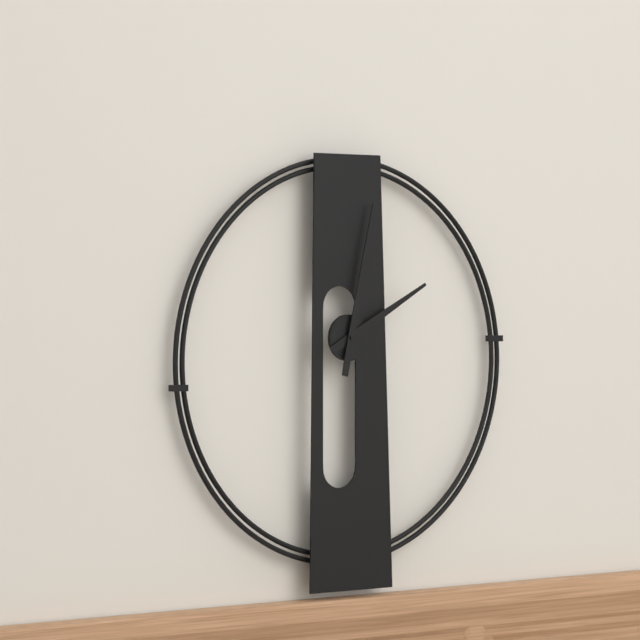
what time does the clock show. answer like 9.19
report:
2.02
